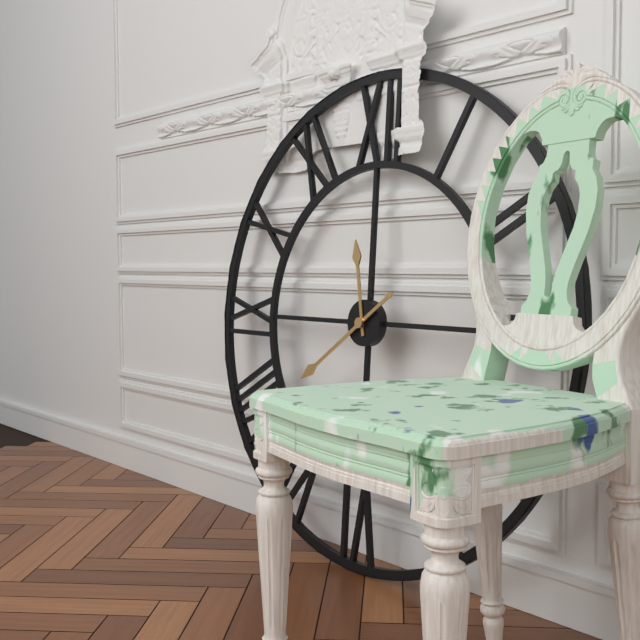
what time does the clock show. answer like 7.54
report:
11.39
